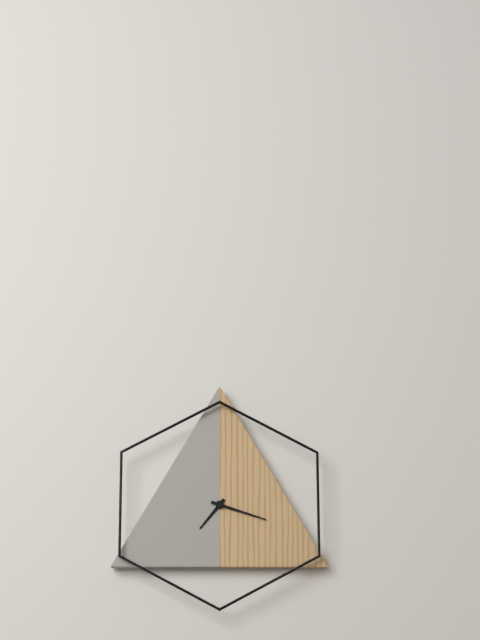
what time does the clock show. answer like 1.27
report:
7.18
